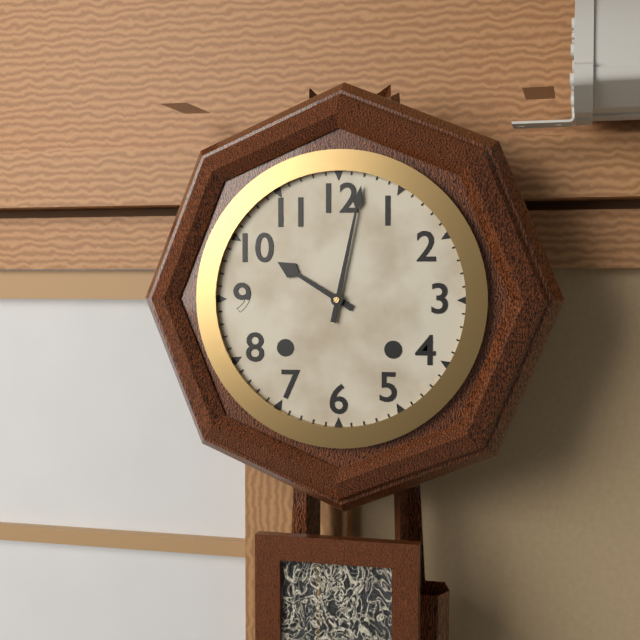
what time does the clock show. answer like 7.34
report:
10.02
